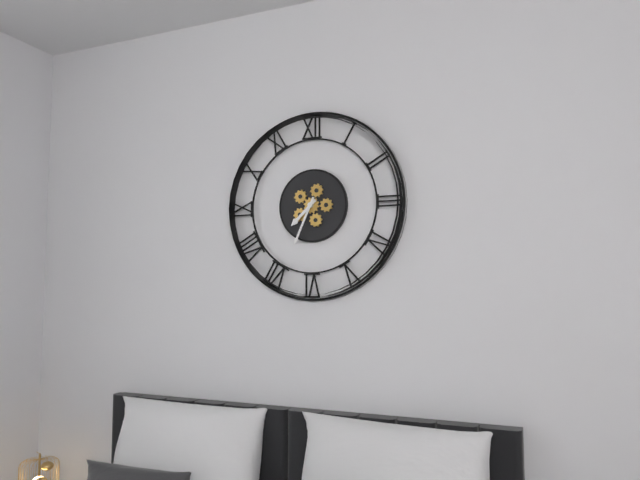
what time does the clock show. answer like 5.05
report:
7.34
